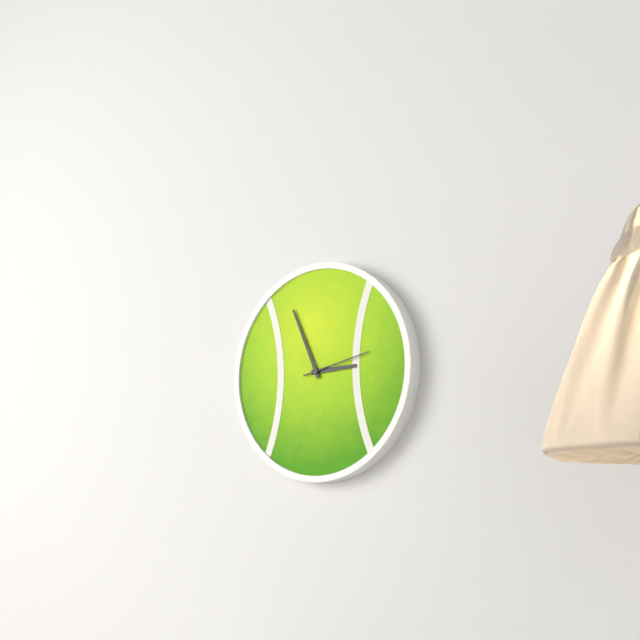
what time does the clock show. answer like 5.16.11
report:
2.56.13
